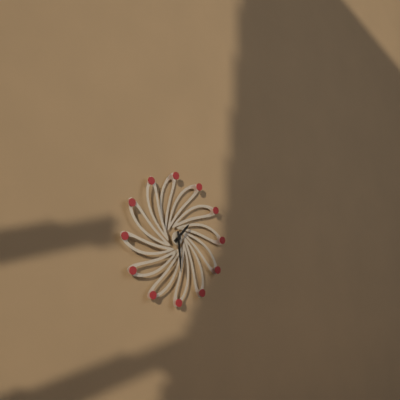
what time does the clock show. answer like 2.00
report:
1.29
